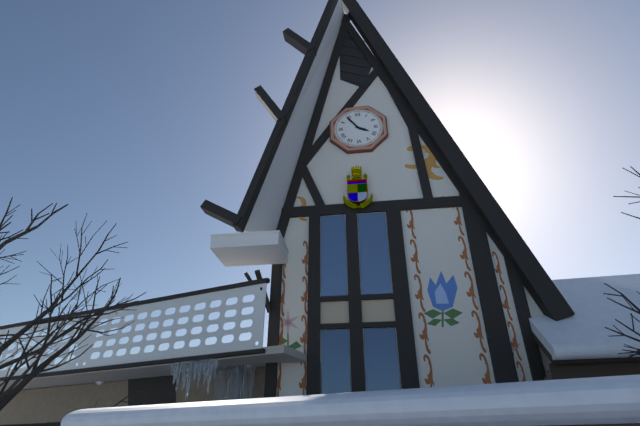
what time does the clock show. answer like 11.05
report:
3.54
